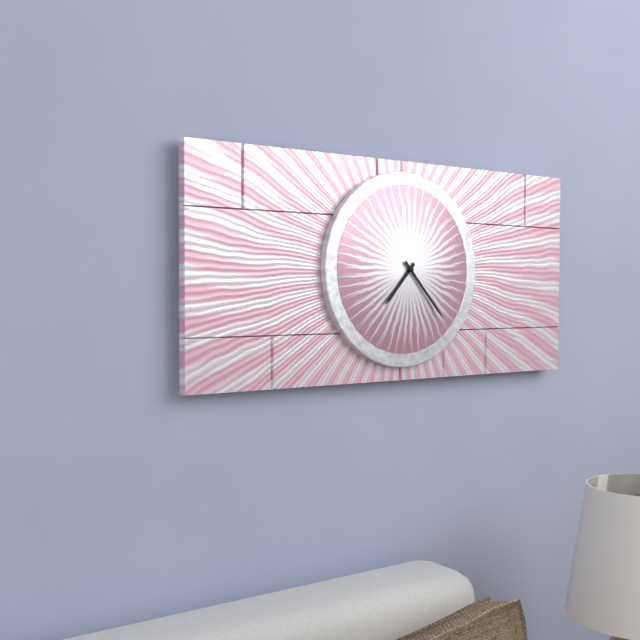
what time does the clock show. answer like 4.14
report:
7.23
